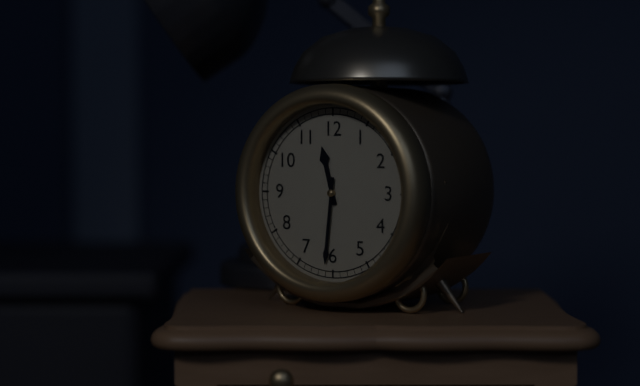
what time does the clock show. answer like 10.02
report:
11.31
